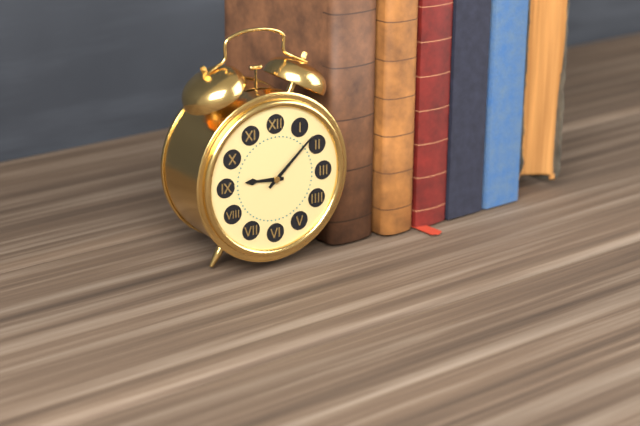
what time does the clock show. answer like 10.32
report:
9.08
